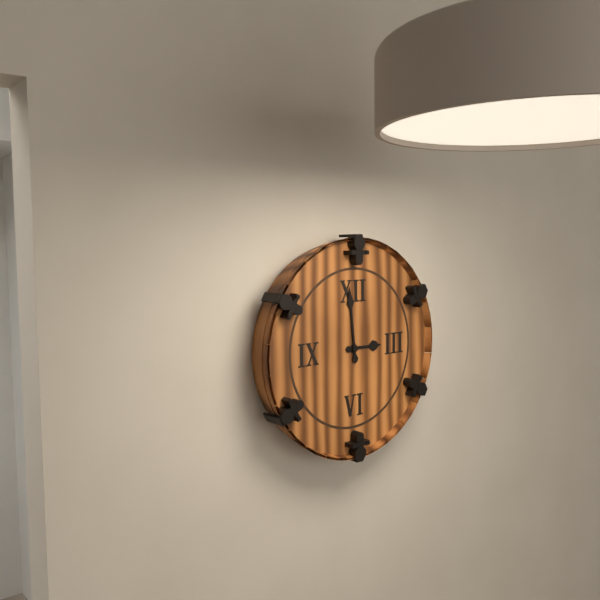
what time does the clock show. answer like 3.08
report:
2.59
